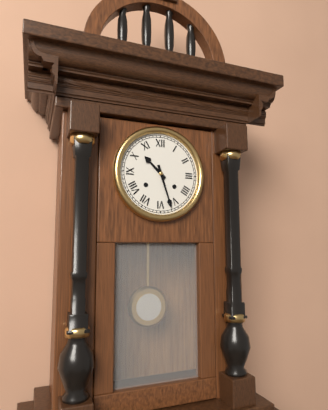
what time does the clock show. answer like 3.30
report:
10.27
